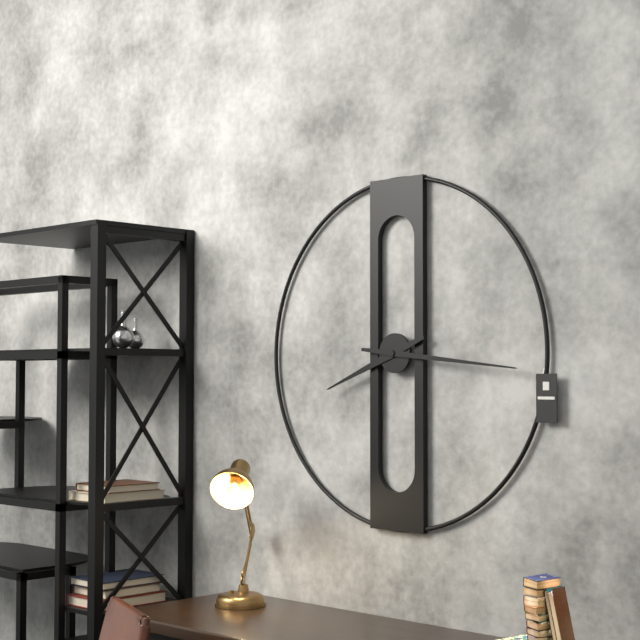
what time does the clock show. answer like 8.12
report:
8.16
